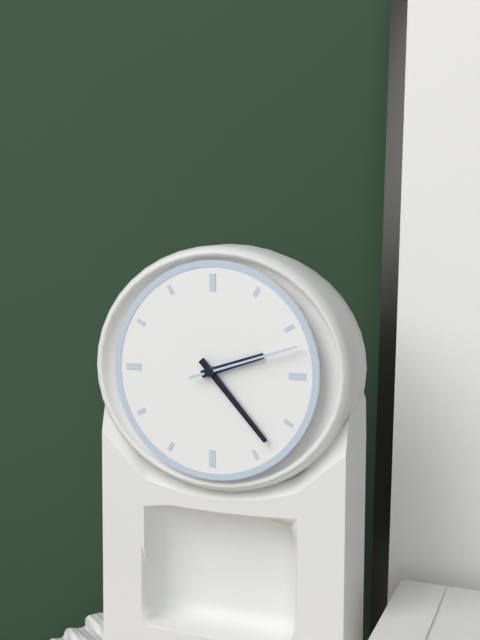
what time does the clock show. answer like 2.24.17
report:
2.23.12
